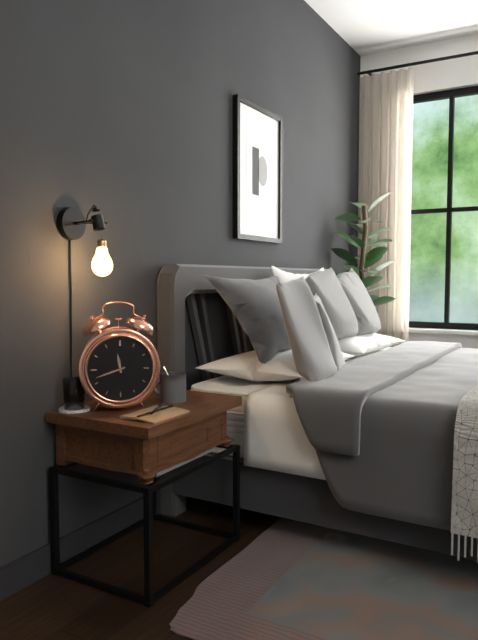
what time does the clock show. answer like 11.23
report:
11.42
